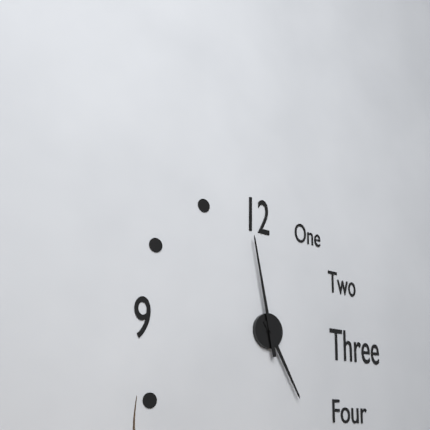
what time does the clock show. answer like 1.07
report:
4.58
